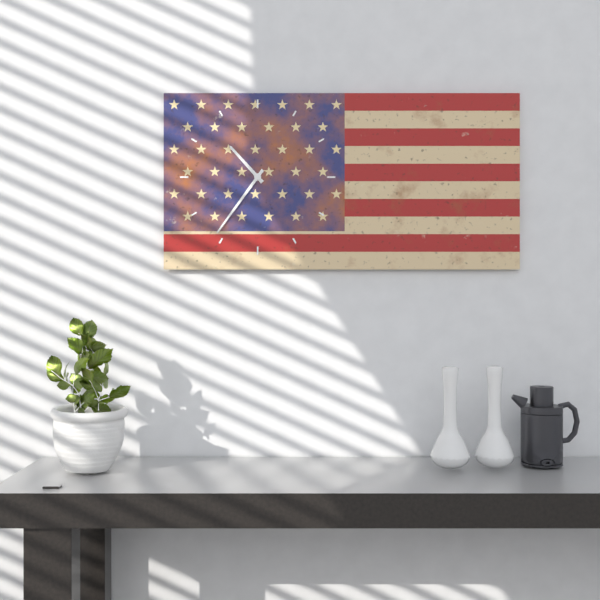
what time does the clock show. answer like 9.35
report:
10.36
